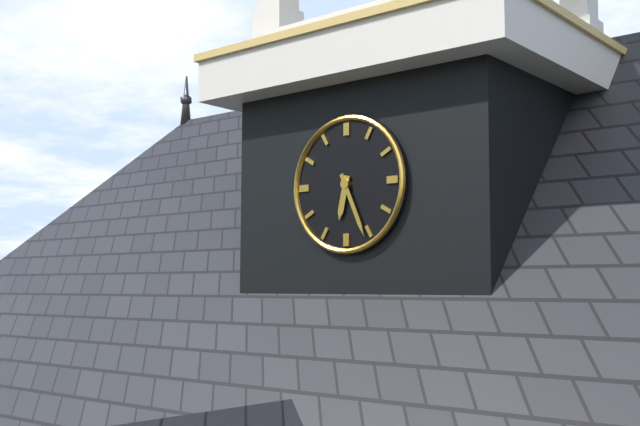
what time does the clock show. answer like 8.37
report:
6.26
